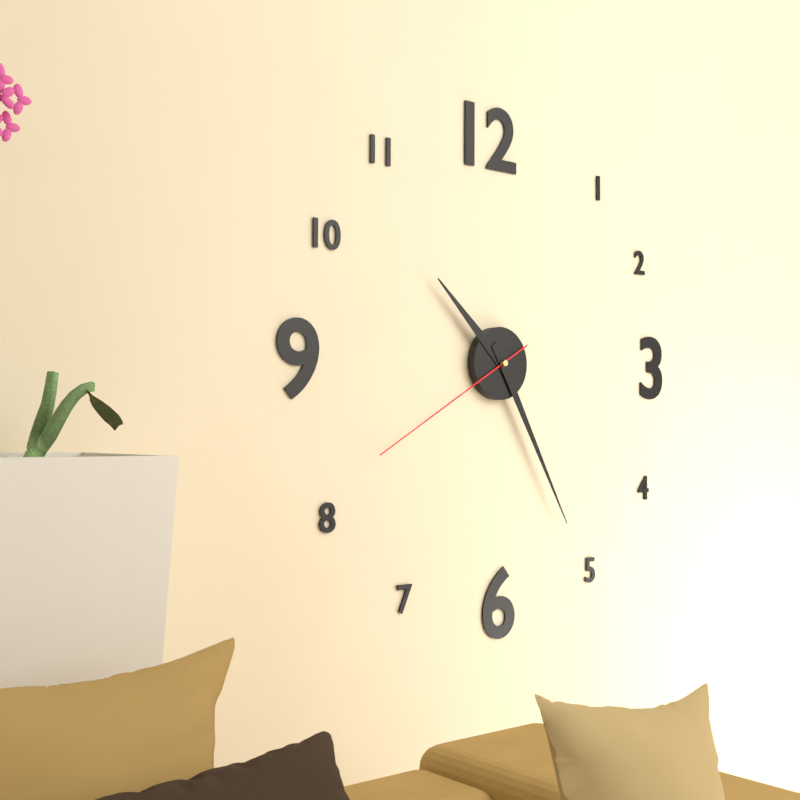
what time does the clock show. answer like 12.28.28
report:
10.25.40
